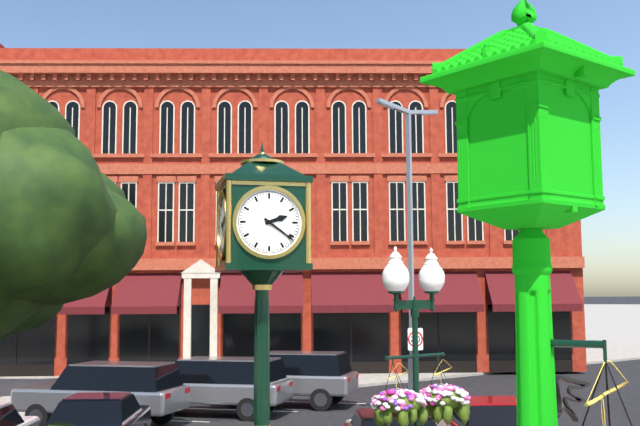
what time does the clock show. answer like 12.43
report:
2.21
